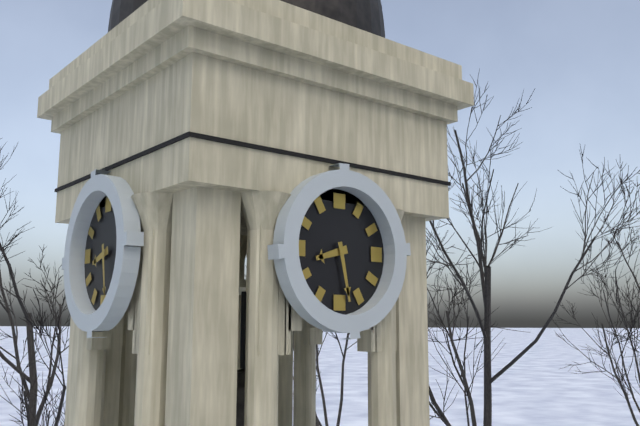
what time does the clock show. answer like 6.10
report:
8.28
